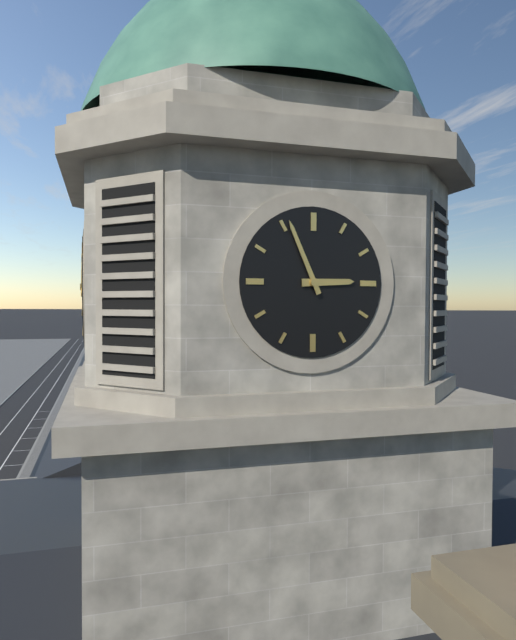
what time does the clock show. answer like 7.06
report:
2.56
